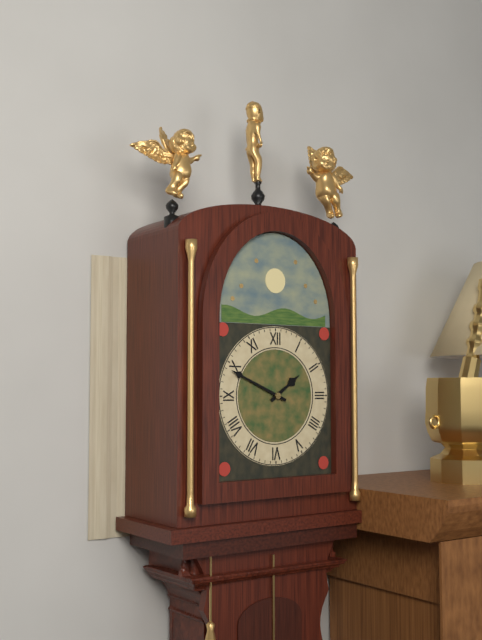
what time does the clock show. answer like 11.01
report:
1.49
